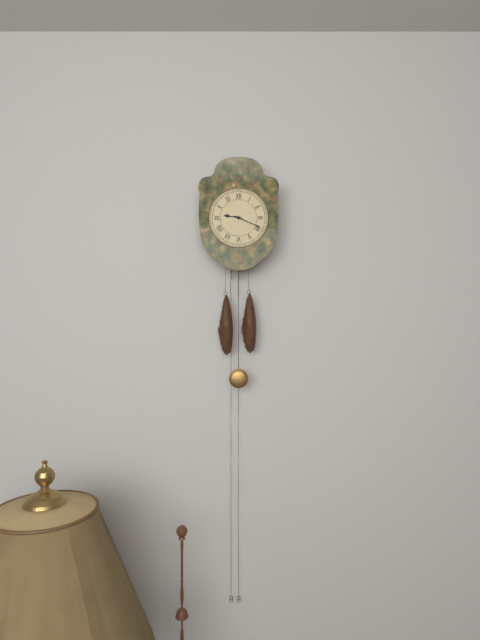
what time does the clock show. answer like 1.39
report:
9.19
